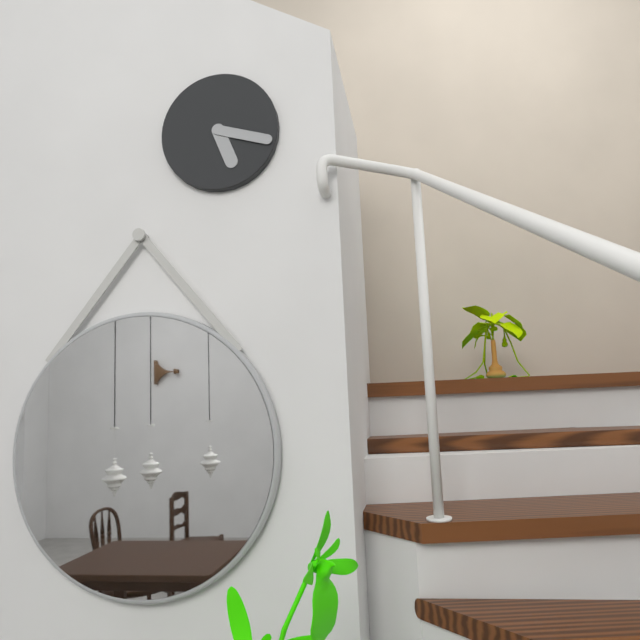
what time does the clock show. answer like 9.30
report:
5.18
